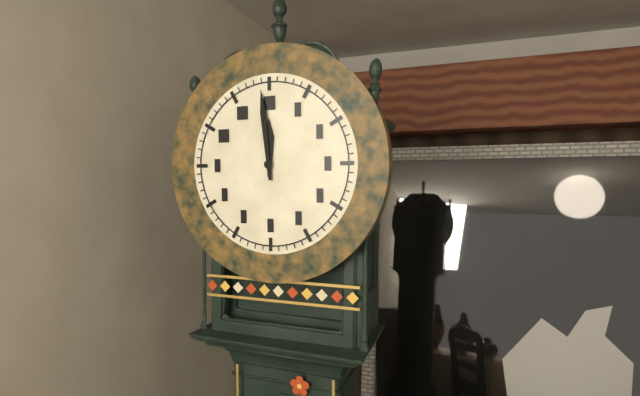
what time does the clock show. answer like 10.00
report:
11.59
